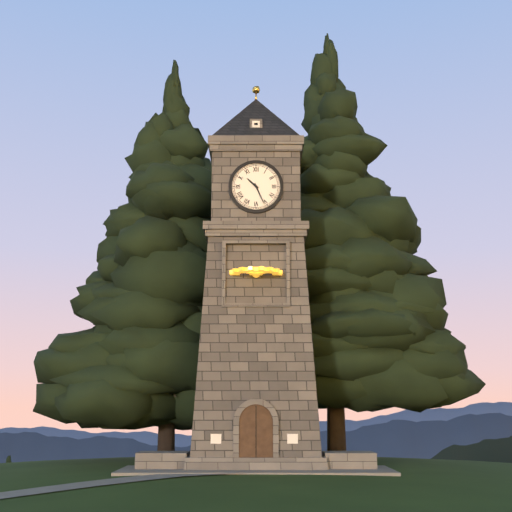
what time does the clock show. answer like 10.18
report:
10.26
